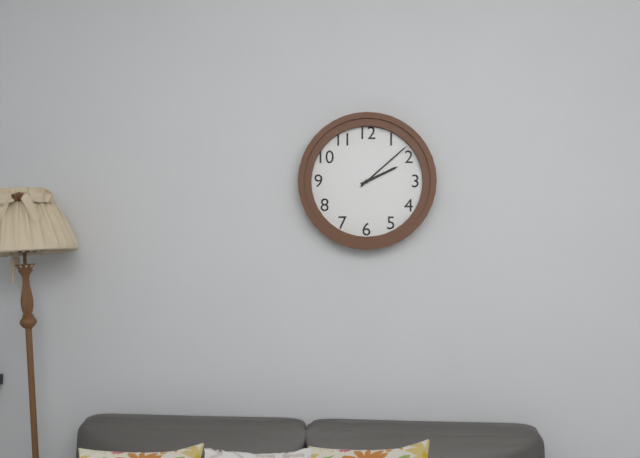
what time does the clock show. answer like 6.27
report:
2.08
